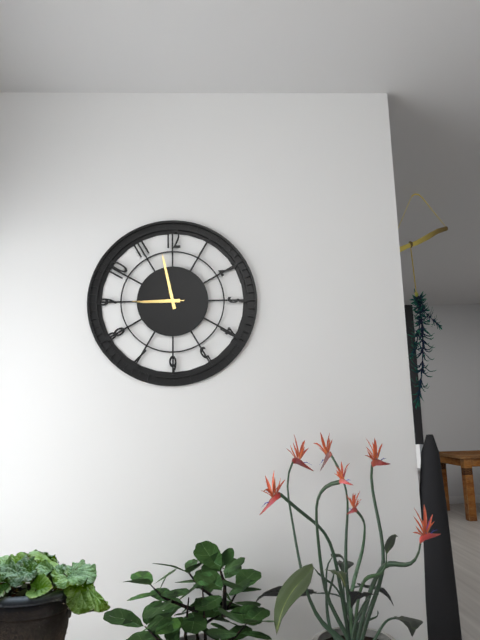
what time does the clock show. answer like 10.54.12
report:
8.58.45
